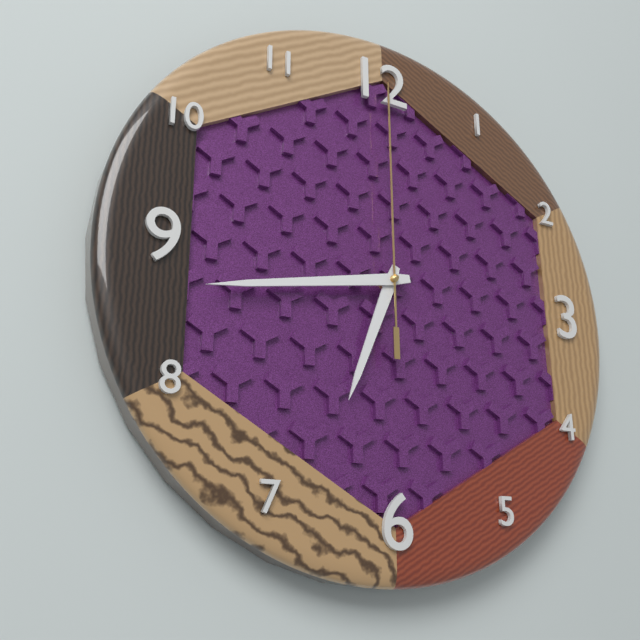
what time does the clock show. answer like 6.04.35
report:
6.43.00
